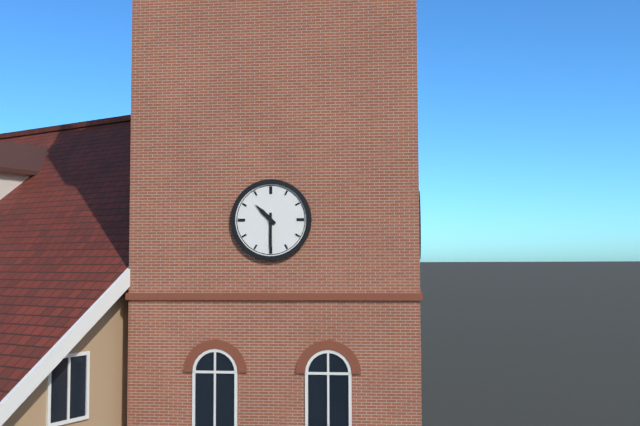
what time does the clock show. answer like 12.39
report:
10.30
